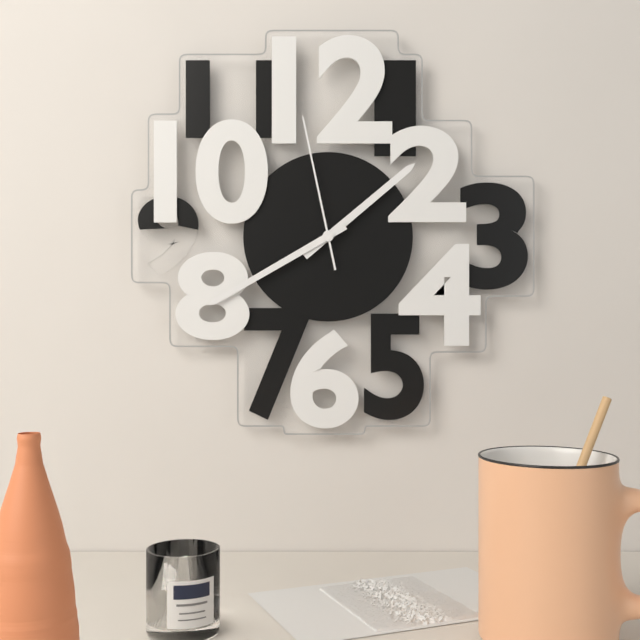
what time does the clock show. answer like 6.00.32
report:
1.40.58
